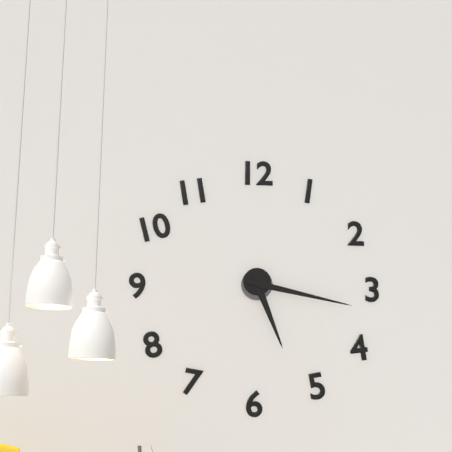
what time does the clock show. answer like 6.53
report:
5.17
